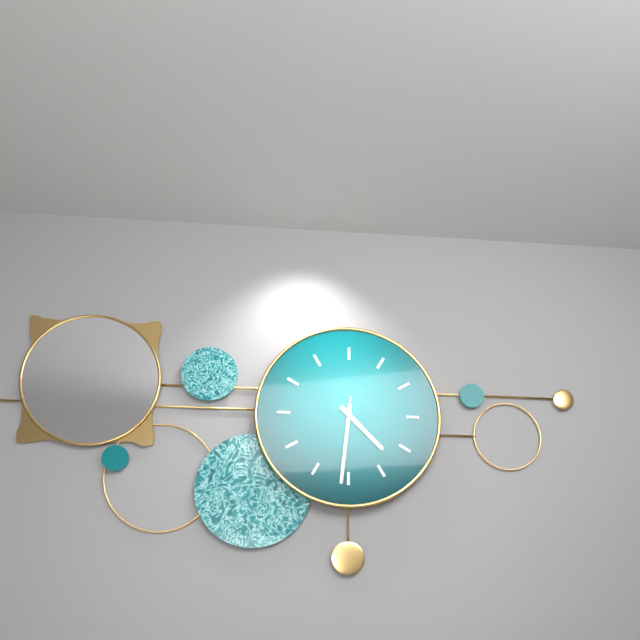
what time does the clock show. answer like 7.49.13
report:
4.31.31
